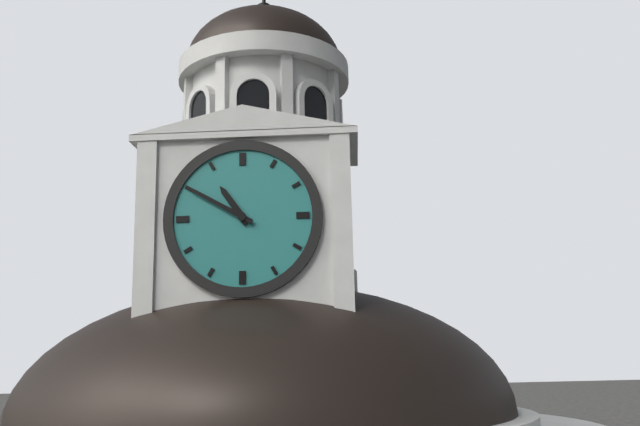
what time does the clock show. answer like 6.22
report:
10.50
